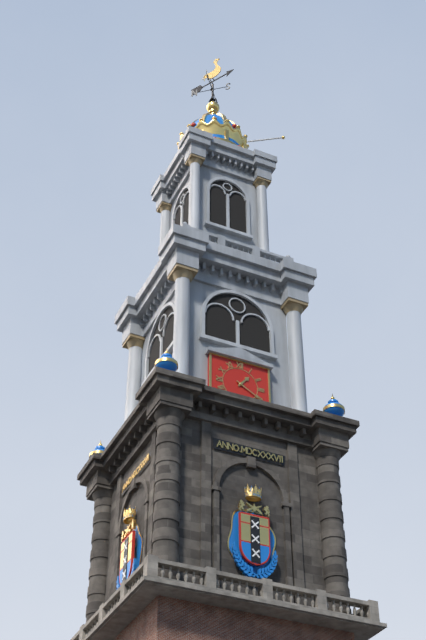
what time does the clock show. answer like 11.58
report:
1.20
